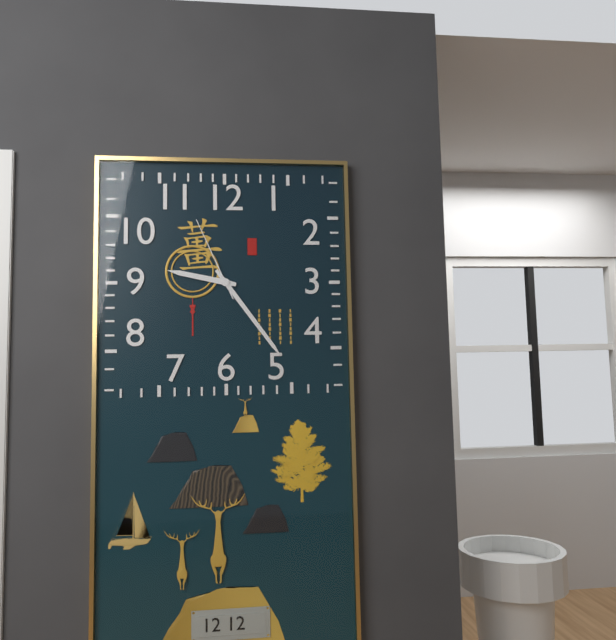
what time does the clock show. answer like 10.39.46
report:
9.24.56
